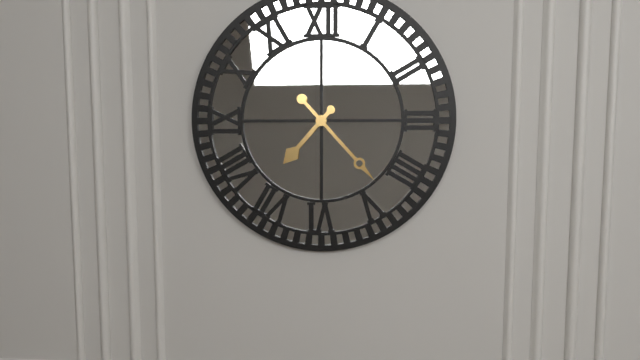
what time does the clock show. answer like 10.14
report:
7.23
